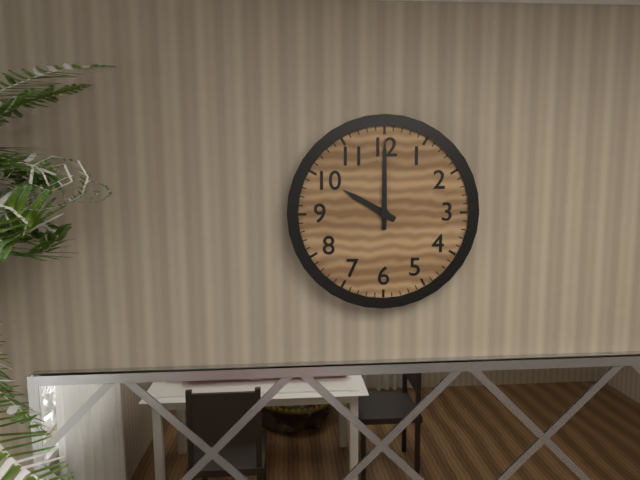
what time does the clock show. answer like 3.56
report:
10.00
